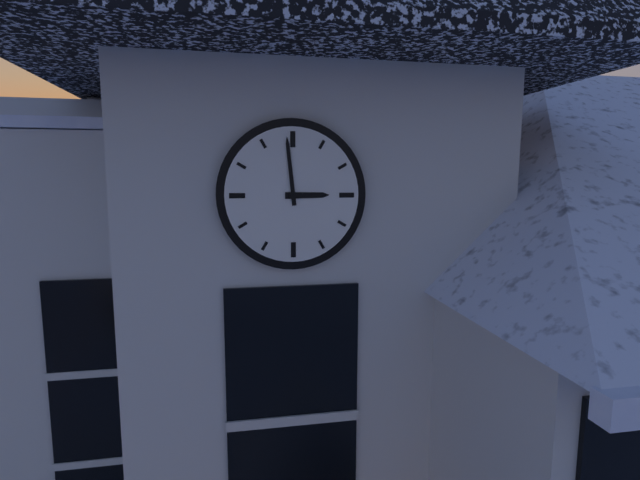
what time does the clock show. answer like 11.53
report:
2.59
